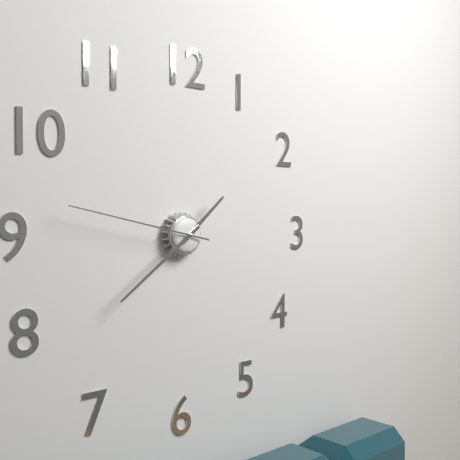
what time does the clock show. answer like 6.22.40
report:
1.39.47
